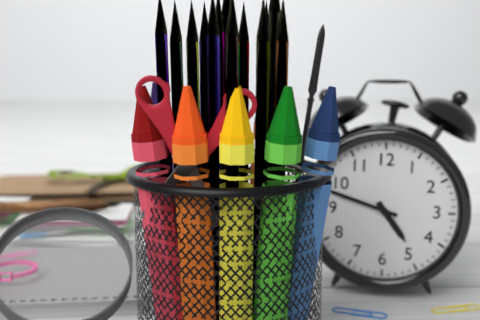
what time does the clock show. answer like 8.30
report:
4.48
